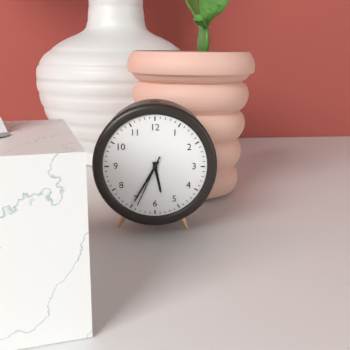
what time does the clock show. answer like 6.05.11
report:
5.35.34
